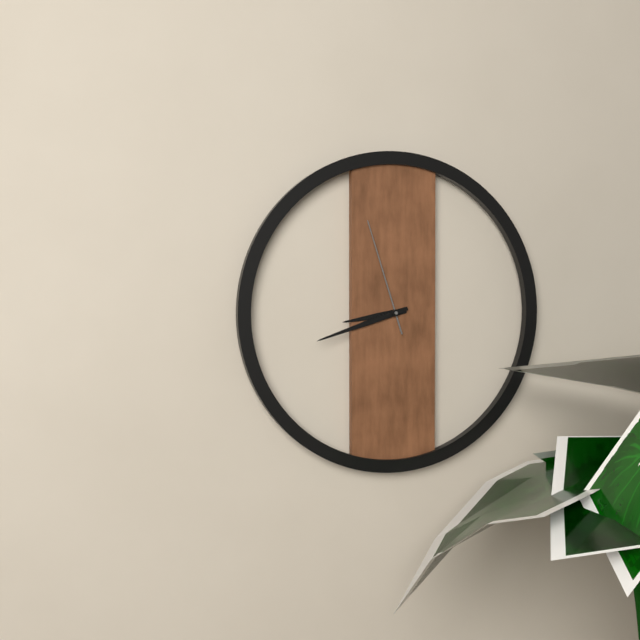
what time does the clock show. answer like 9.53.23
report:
8.42.57
